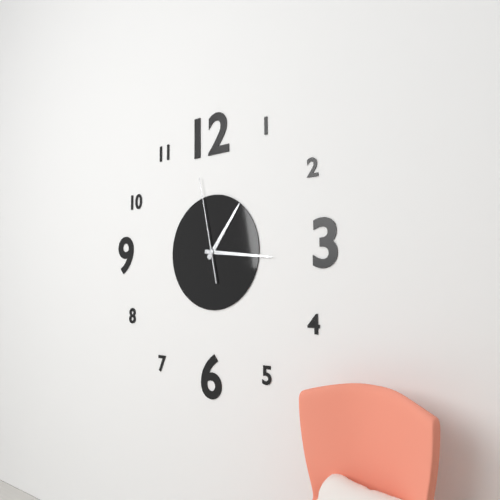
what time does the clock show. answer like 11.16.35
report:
1.16.58
